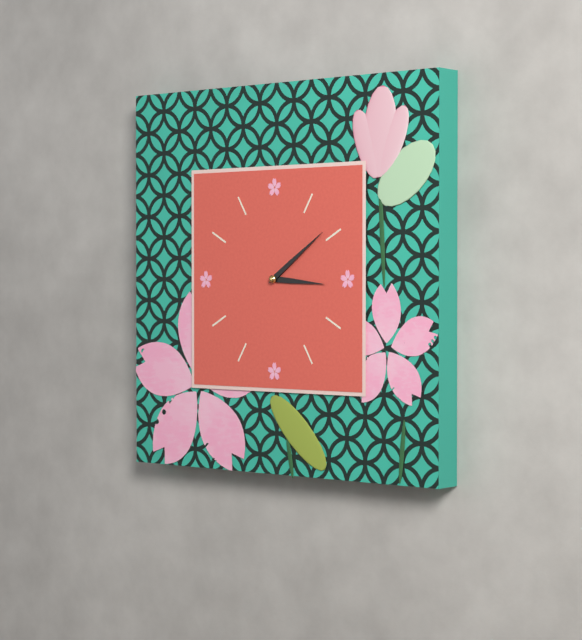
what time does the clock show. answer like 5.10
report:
3.09
